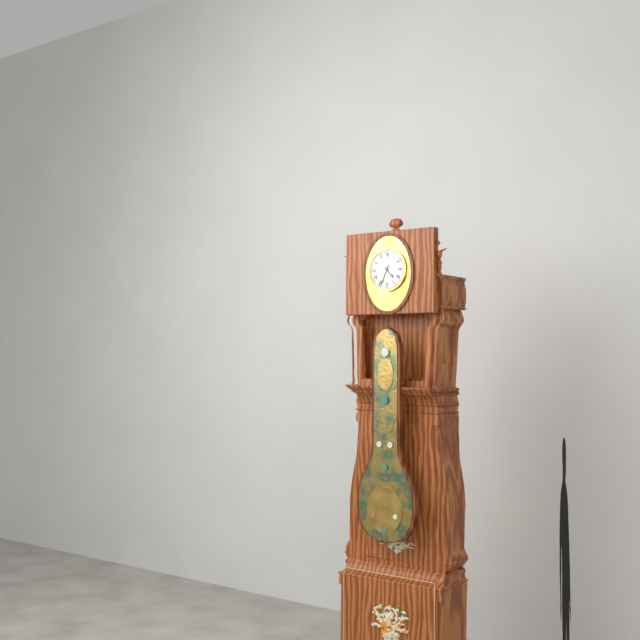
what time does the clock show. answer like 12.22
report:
4.34
